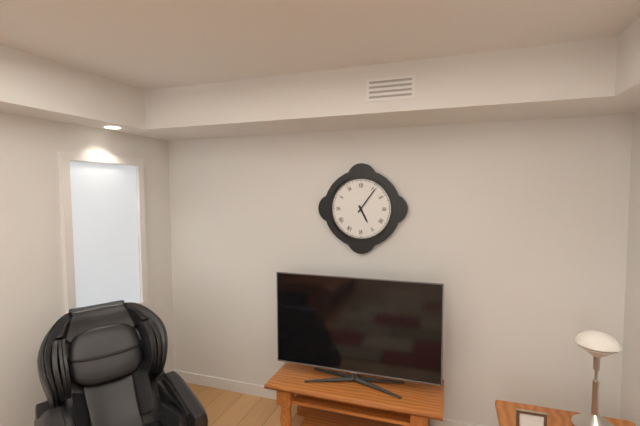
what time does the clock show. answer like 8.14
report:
5.06
